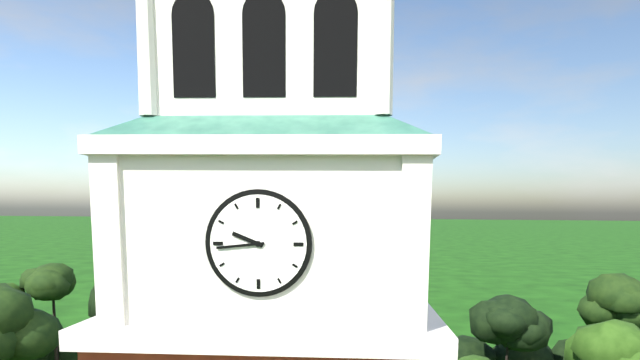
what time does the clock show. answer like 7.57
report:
9.44
